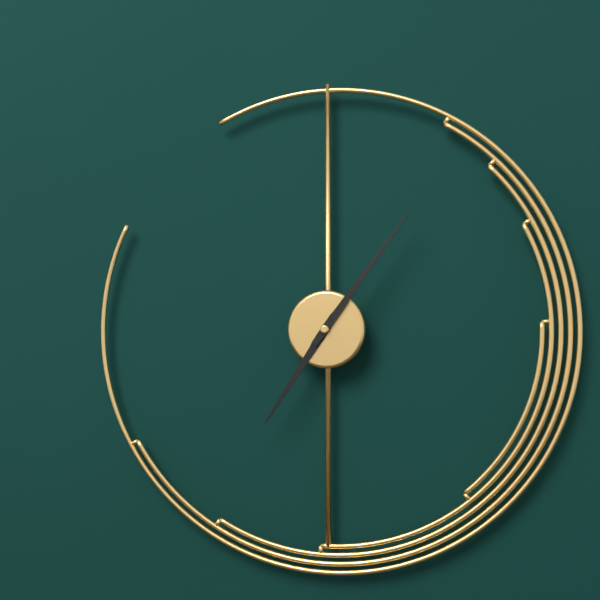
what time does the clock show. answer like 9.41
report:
7.06
